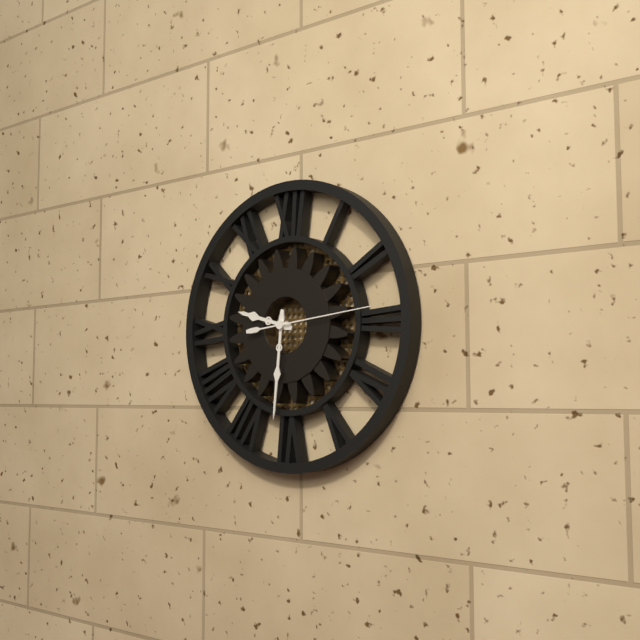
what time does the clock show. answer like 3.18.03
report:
9.31.14
